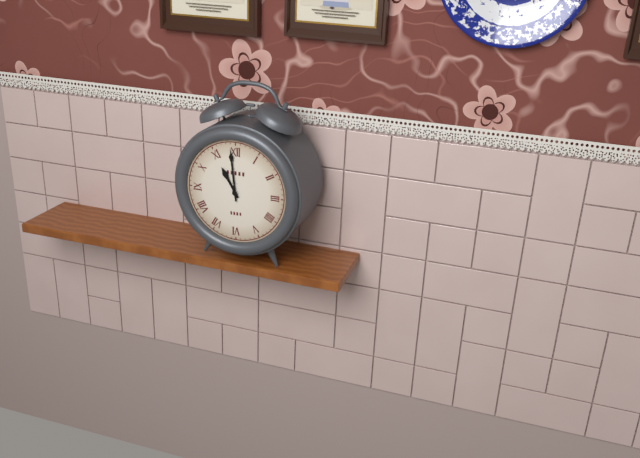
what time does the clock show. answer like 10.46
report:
10.59
